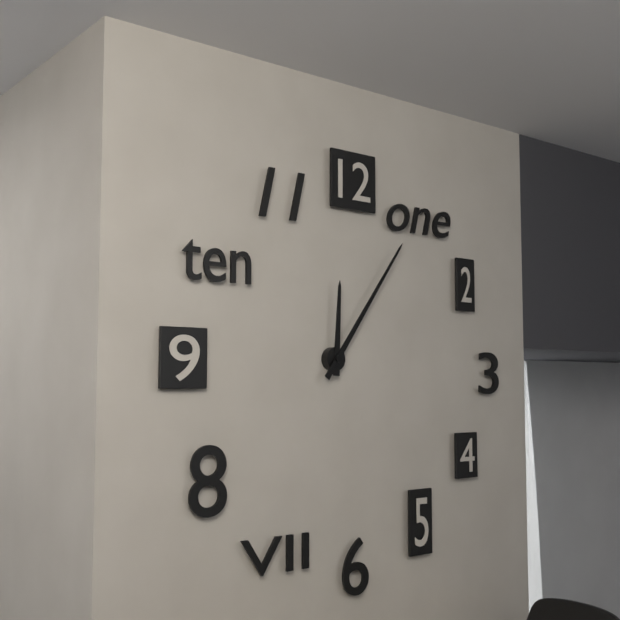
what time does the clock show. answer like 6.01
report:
12.06
